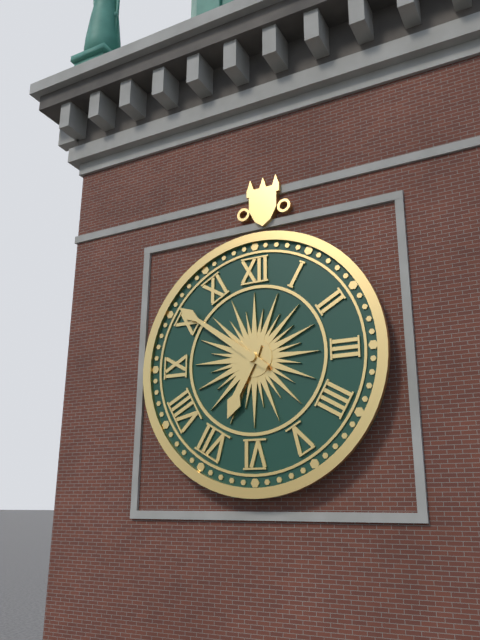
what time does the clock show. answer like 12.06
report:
6.51
